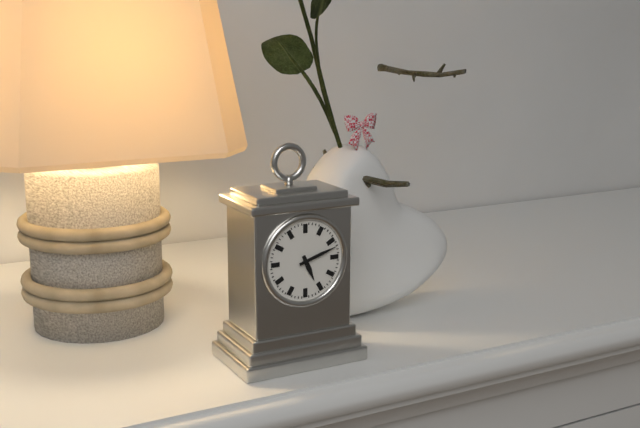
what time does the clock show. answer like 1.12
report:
5.12
